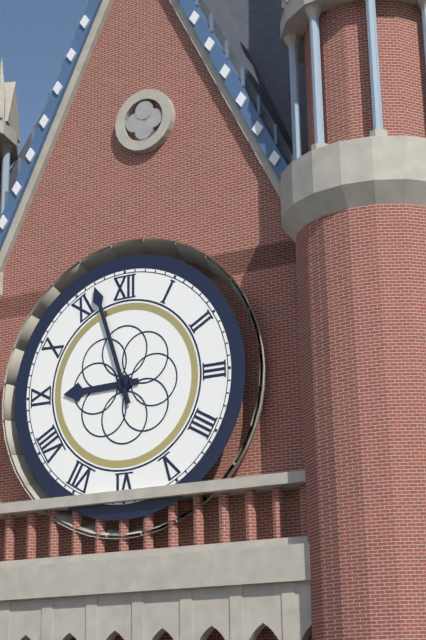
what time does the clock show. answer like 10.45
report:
8.57
